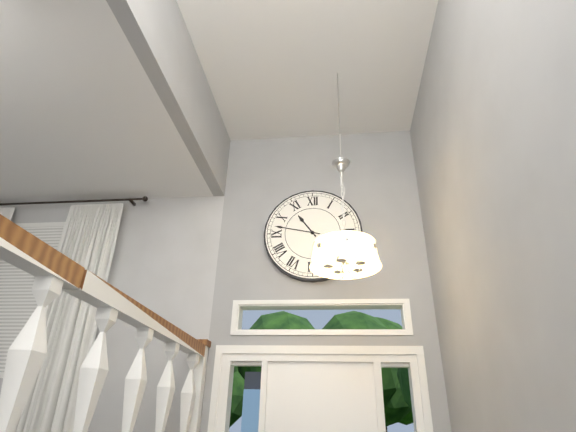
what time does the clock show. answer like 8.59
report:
10.47
